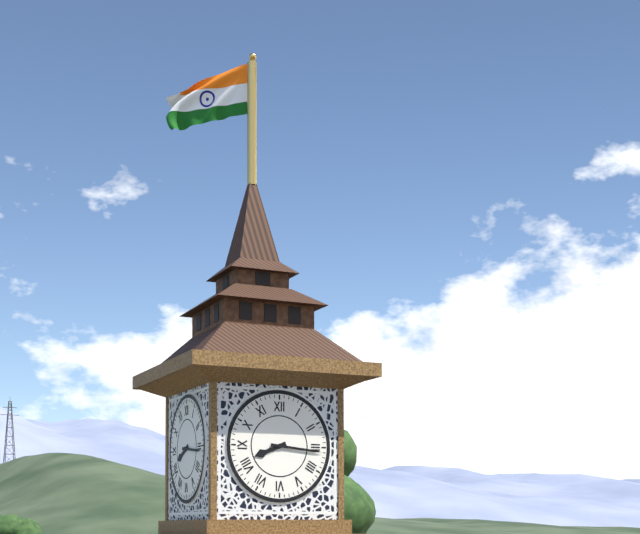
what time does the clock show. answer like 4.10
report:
8.16
